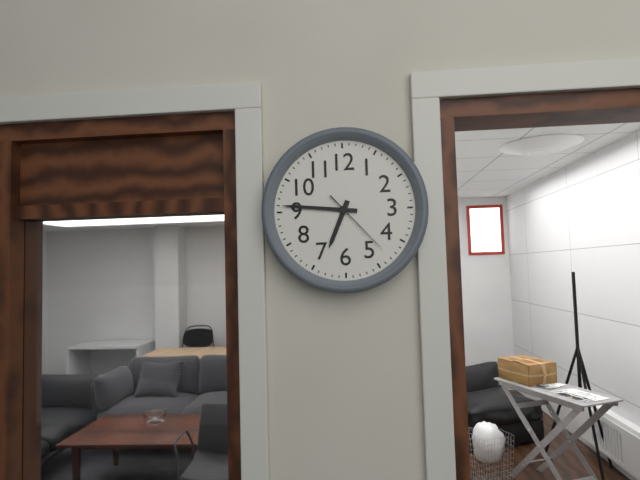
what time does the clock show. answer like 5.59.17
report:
6.46.23
